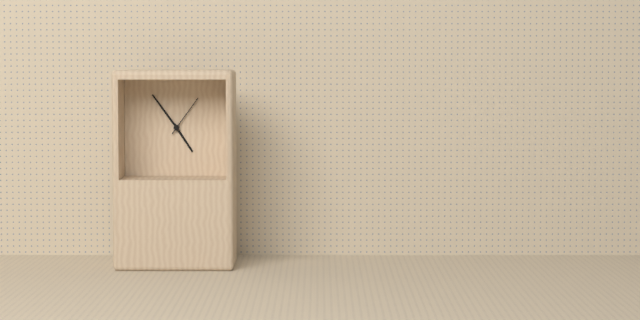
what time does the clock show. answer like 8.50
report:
4.54
